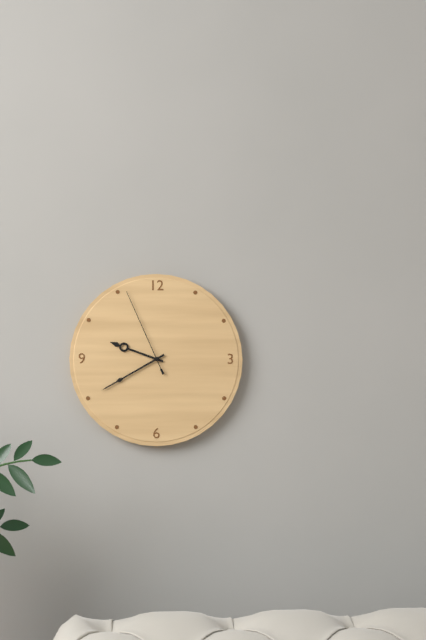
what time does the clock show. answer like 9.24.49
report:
9.40.56
